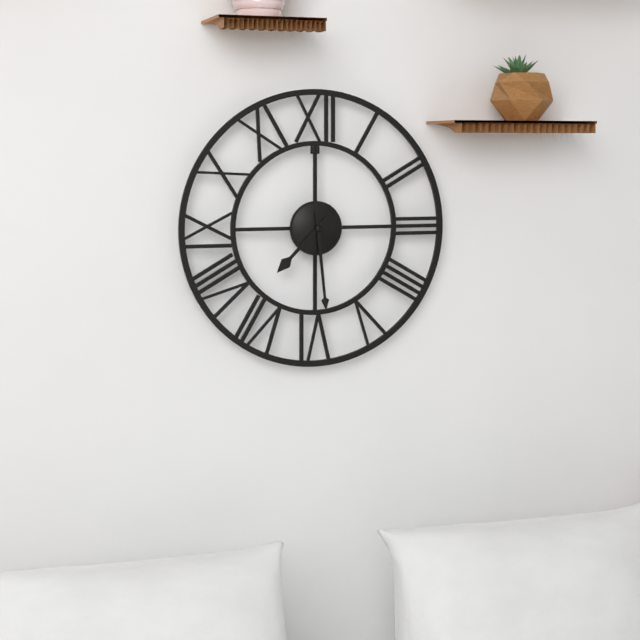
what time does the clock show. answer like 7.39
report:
7.29
